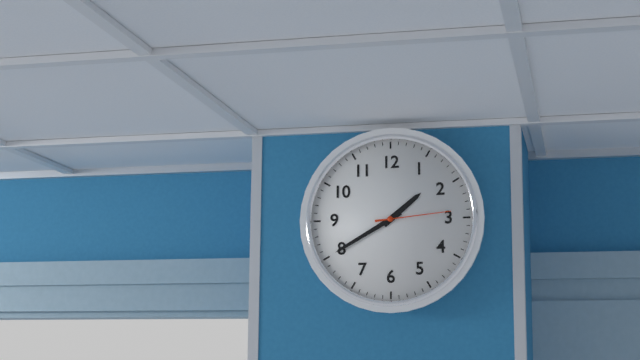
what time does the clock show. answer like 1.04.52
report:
1.40.14
